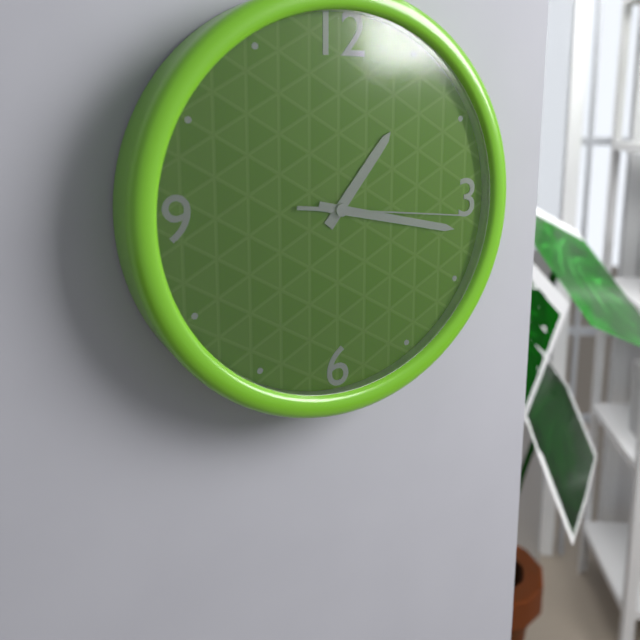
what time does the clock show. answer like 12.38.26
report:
1.17.16
